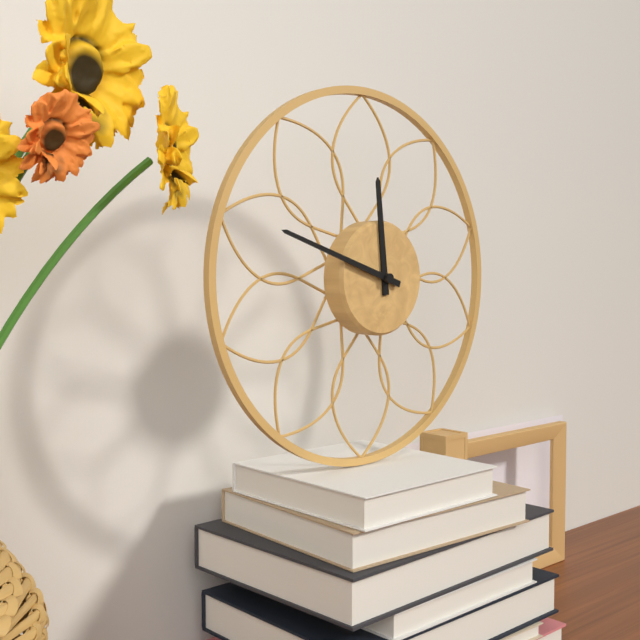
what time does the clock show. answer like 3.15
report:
11.48
